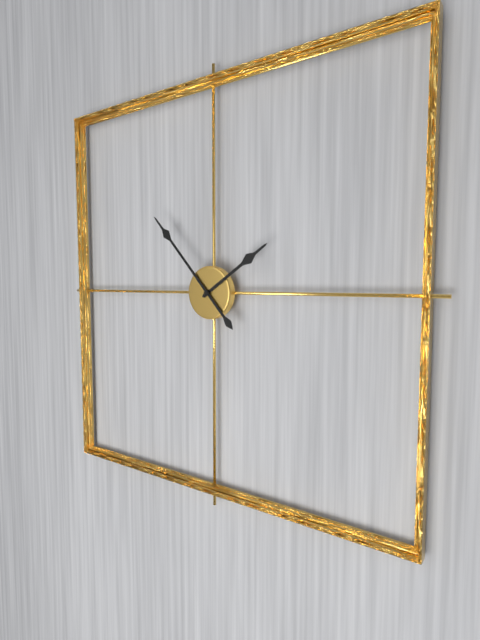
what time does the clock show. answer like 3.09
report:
1.53
